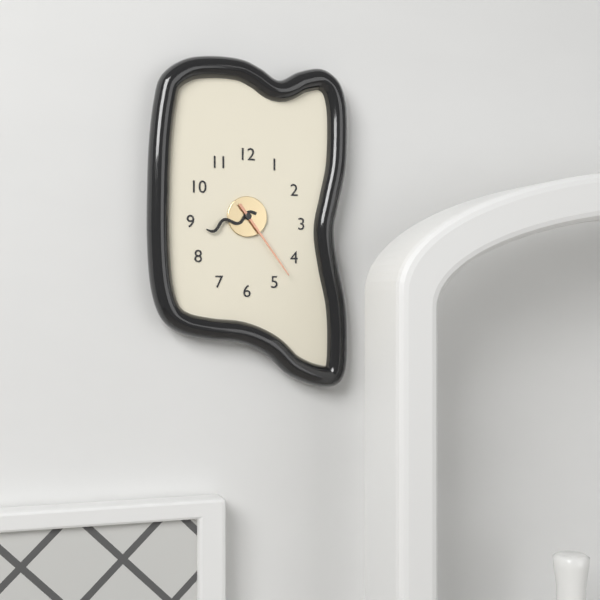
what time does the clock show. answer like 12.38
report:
8.24
